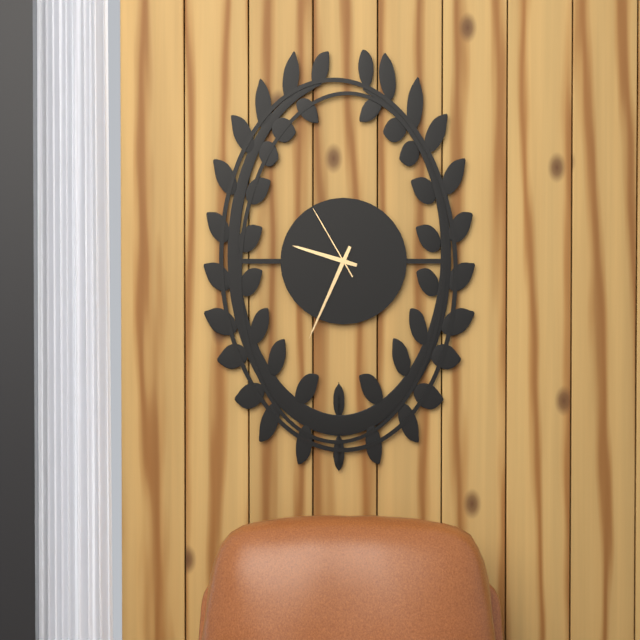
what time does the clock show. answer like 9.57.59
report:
9.34.55
